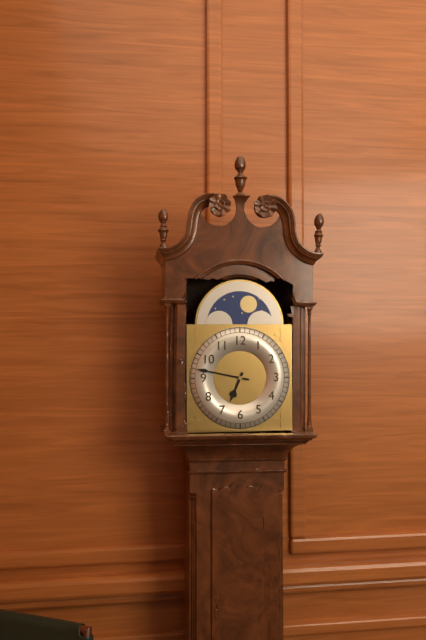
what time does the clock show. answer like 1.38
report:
6.47
